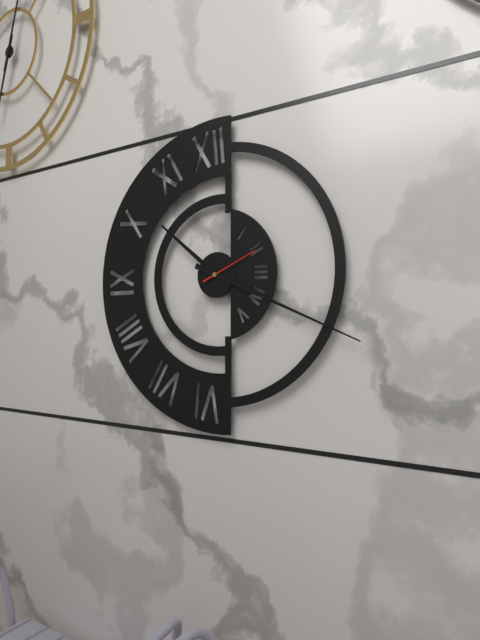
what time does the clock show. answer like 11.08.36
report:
10.19.11
